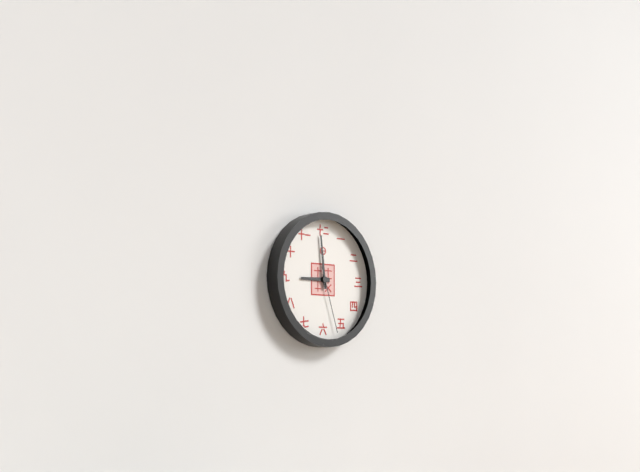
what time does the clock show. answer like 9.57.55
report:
8.59.27
